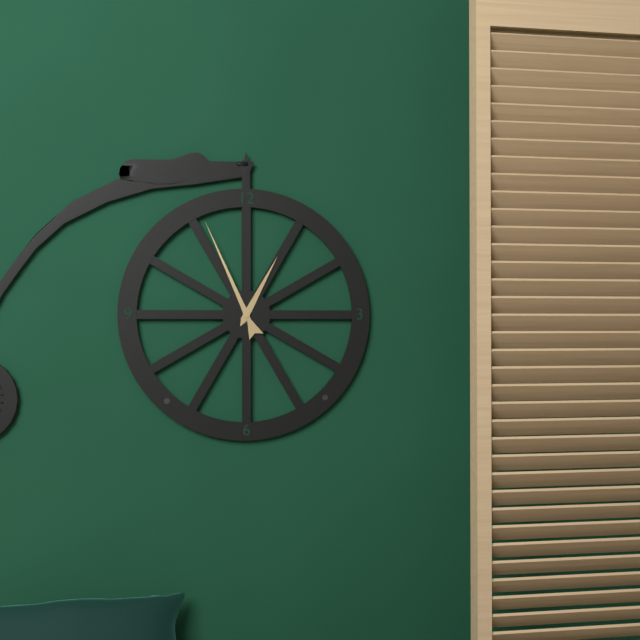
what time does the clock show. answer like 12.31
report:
12.56
